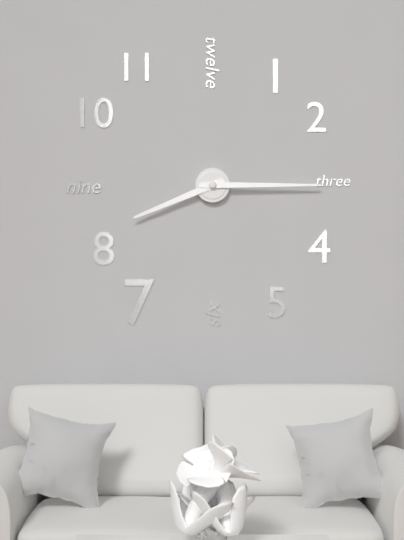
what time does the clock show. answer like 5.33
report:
8.15
